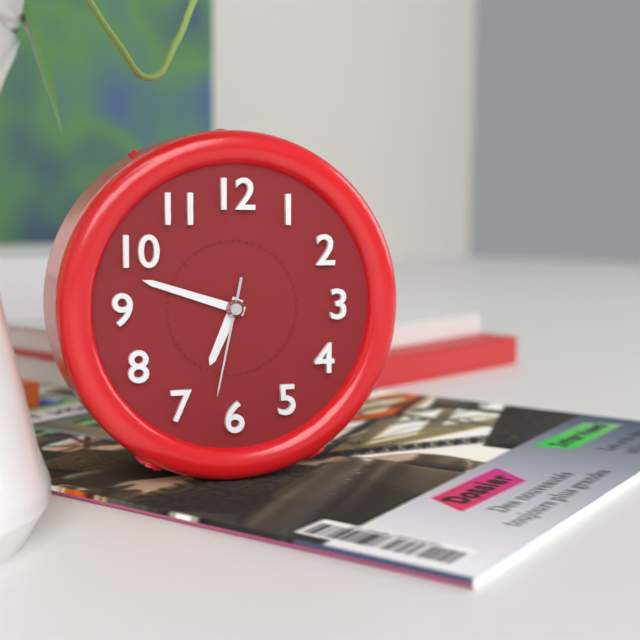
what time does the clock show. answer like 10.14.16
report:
6.48.32
